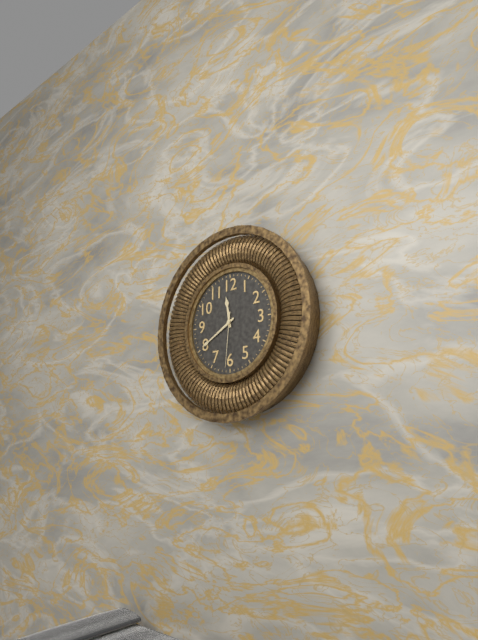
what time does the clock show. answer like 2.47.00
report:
11.40.31
